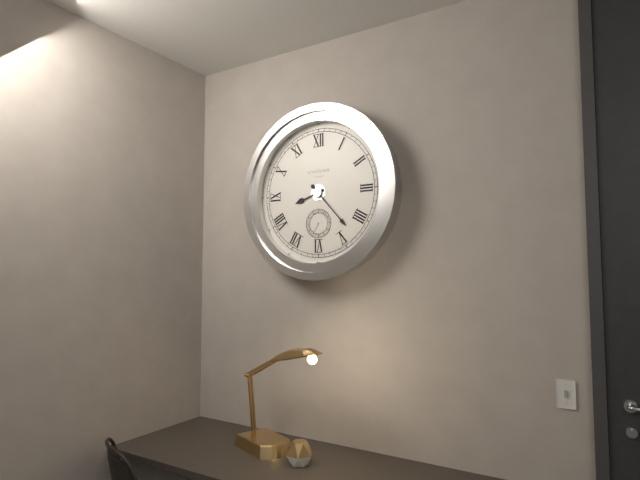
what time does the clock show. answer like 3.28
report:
8.23
